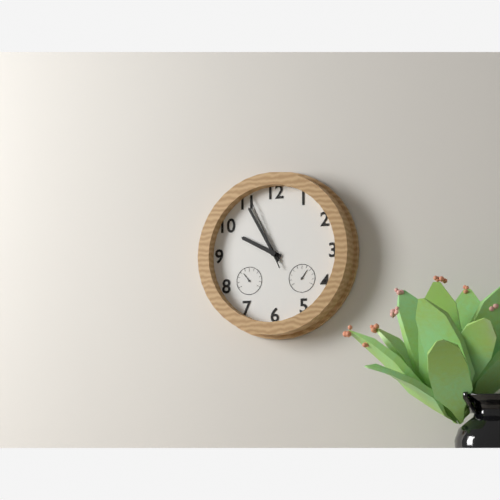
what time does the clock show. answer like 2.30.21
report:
9.55.56
